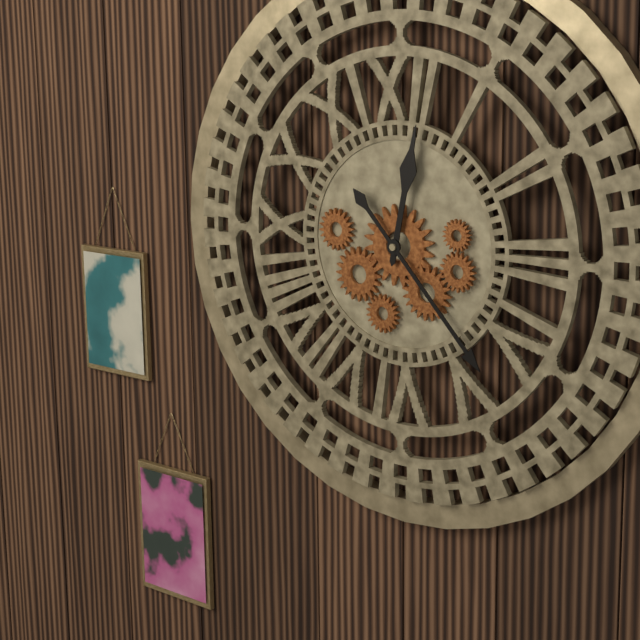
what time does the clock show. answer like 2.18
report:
12.23
